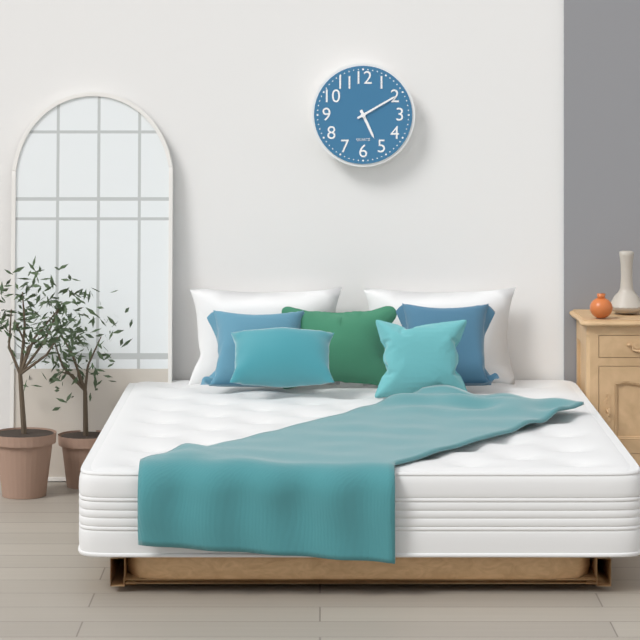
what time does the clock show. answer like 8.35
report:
5.10
